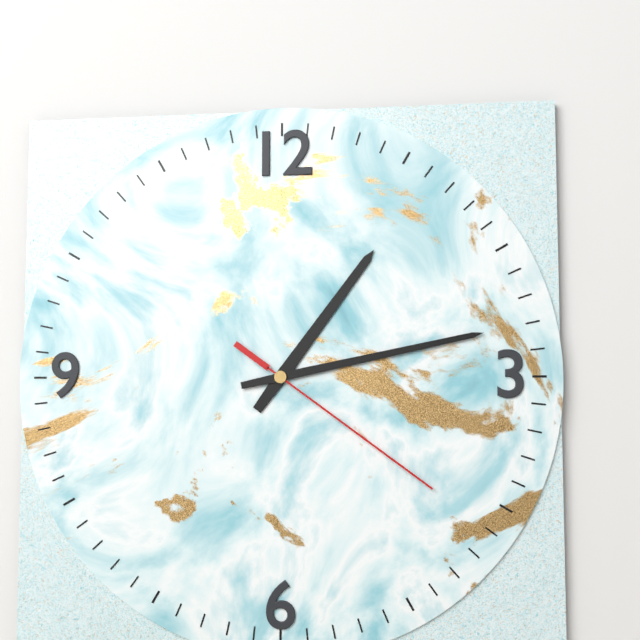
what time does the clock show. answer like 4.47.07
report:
1.13.21
